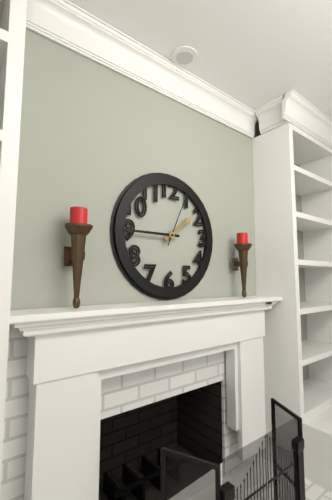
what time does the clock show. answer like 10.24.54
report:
1.45.04
